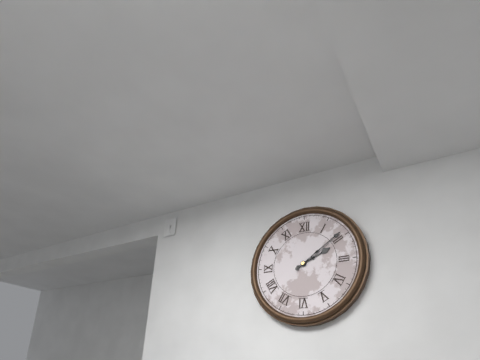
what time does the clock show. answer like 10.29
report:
2.09
